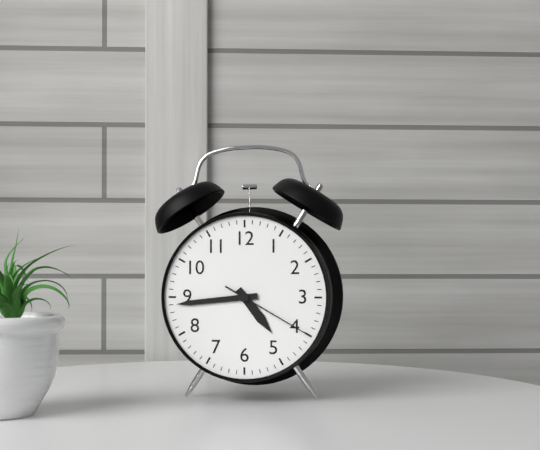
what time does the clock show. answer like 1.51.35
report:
4.44.20
